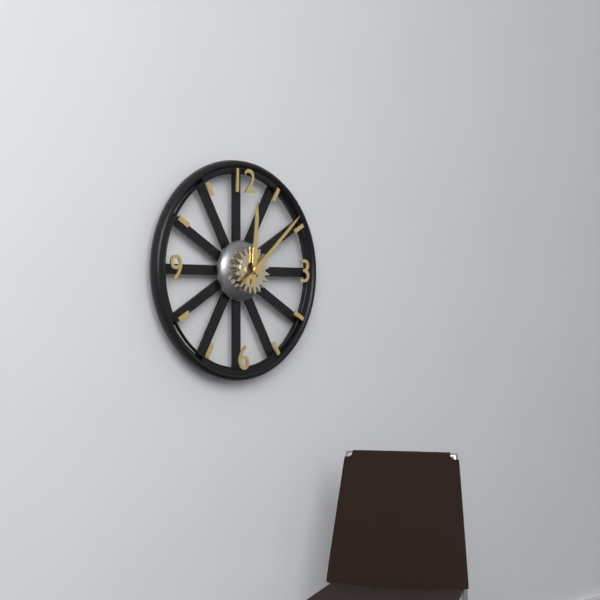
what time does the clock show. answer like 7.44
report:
12.08
